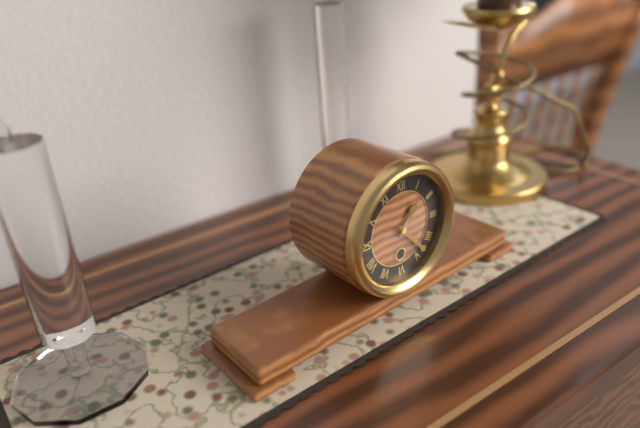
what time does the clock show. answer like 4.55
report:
1.23
